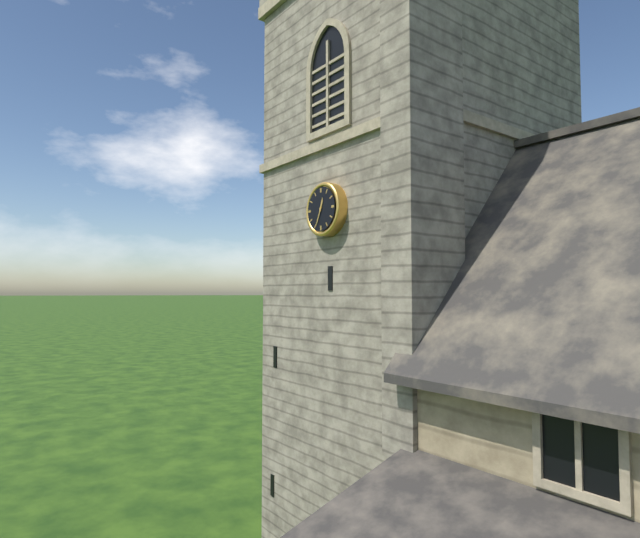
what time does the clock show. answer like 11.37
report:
12.34
